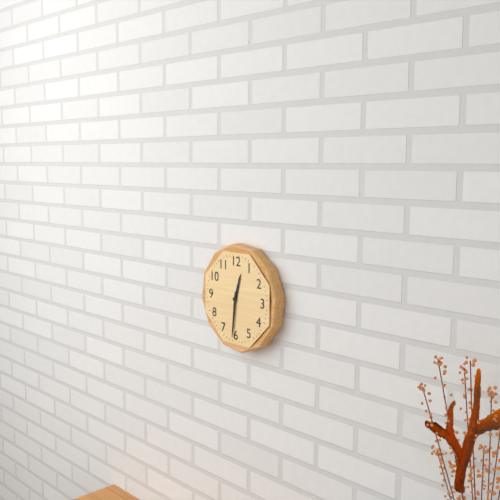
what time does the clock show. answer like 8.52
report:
12.31
